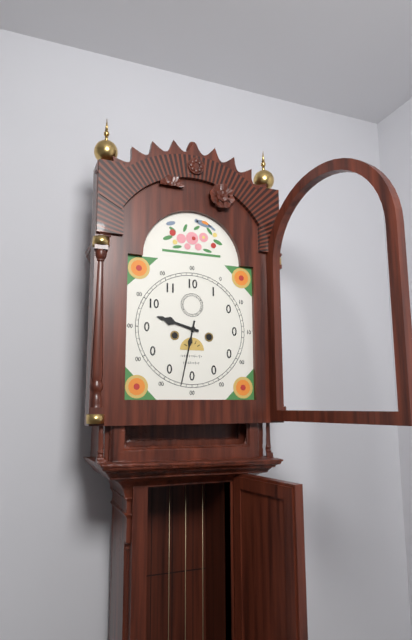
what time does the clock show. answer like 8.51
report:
9.32
